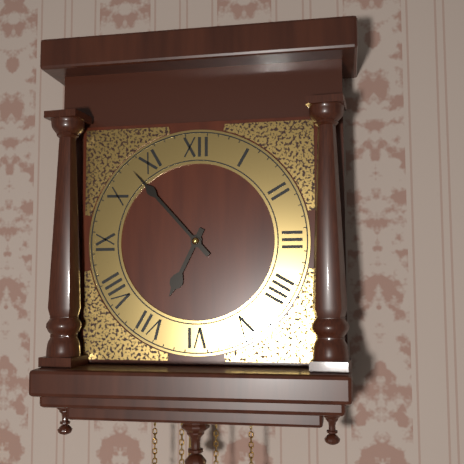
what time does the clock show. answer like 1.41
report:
6.53
